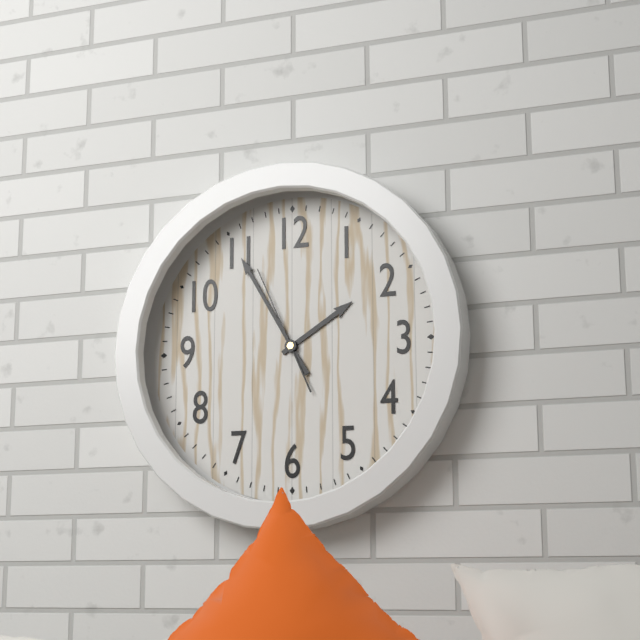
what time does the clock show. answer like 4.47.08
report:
1.55.56
